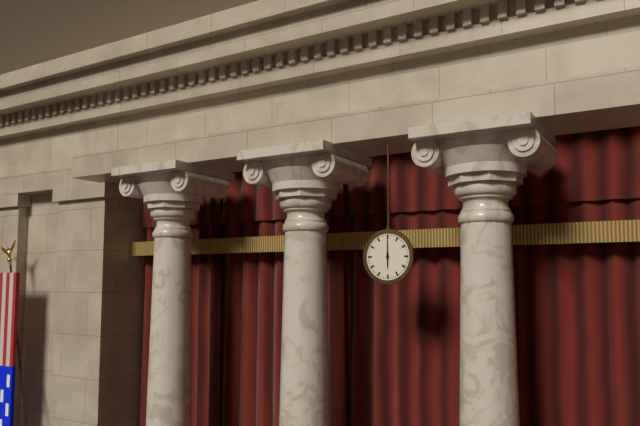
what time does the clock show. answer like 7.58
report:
6.00
